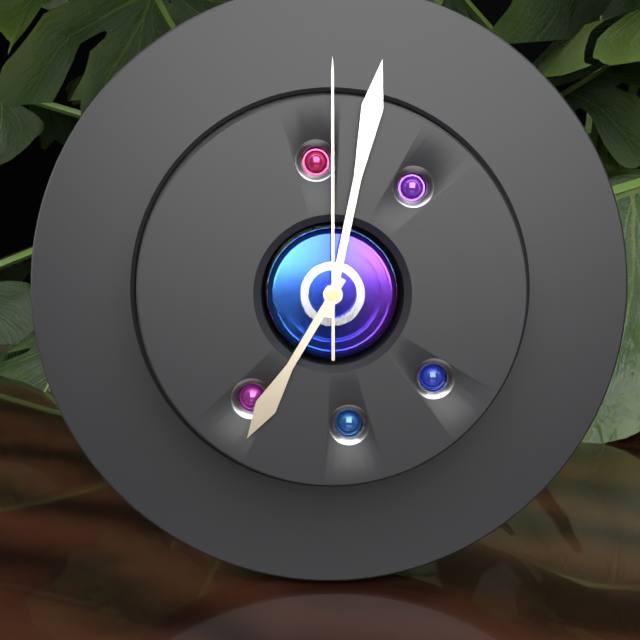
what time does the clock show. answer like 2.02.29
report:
7.02.00
